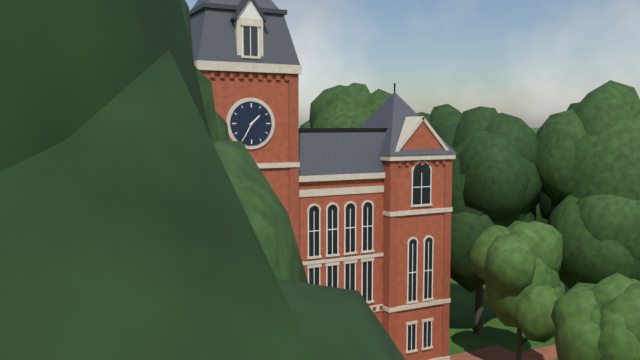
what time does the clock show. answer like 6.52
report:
1.35
